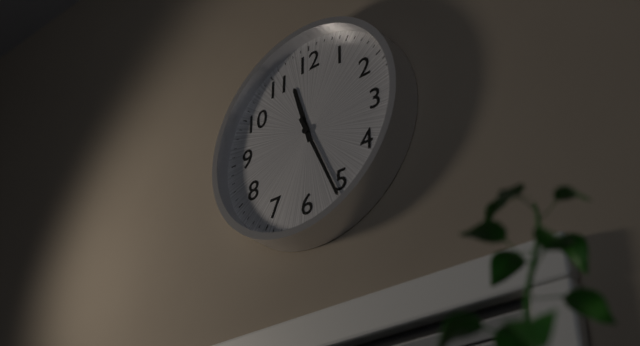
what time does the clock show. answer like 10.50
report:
11.26
